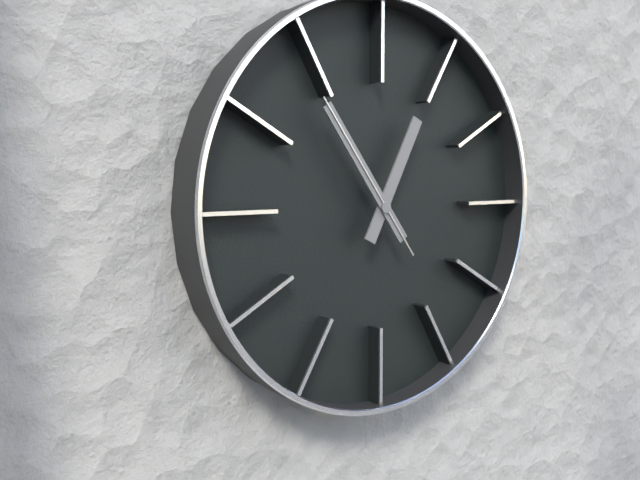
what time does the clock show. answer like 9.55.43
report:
12.54.54
